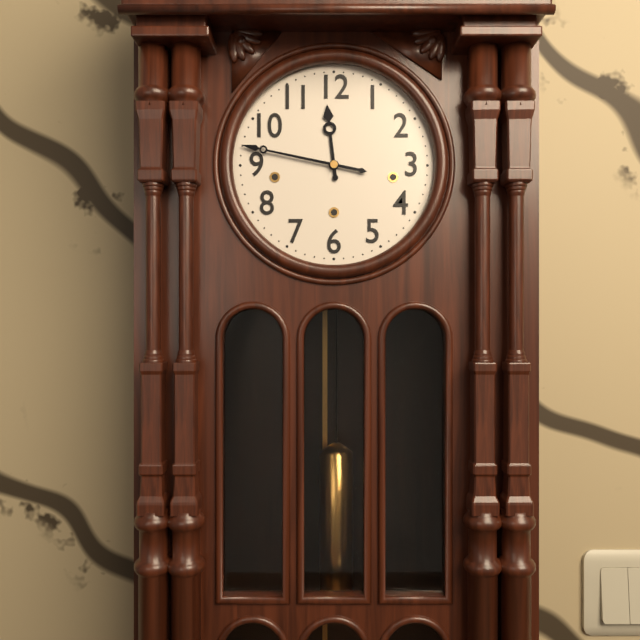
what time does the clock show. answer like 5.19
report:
11.47
